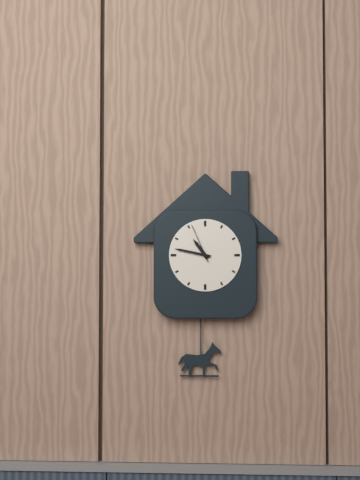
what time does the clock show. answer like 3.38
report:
10.47
